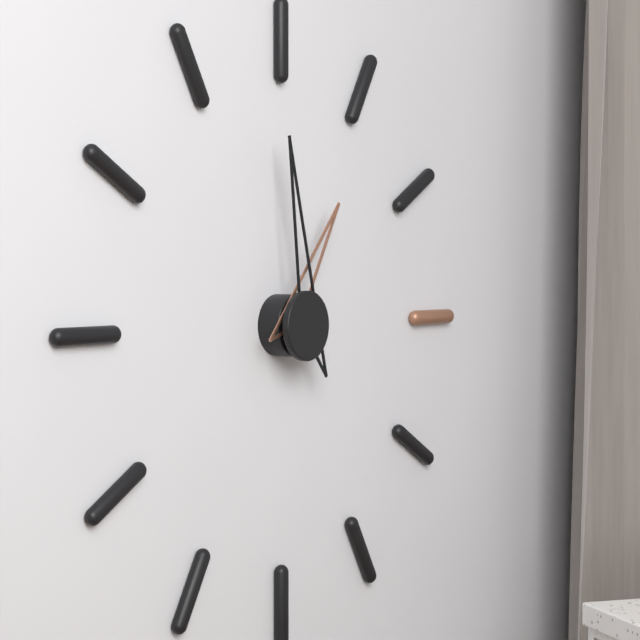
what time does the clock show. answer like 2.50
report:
12.59
